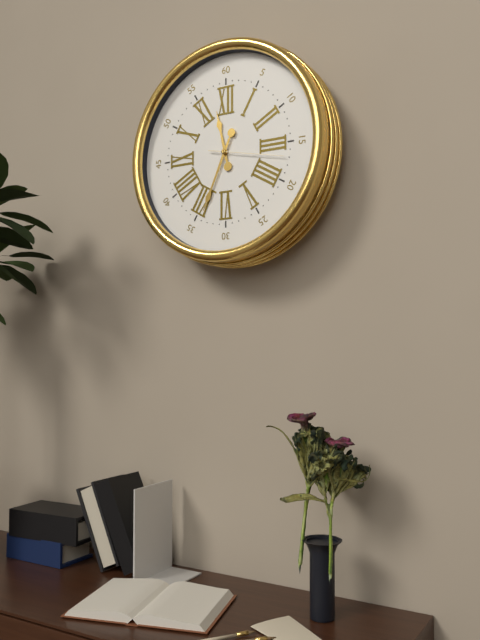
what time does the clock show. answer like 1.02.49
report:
11.34.17
